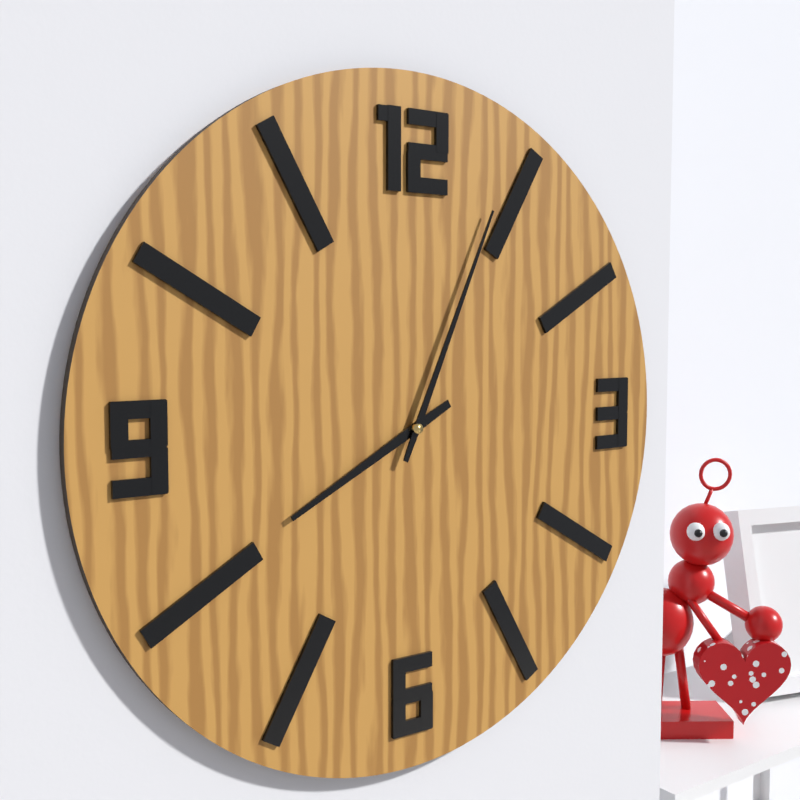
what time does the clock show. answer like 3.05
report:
8.04
